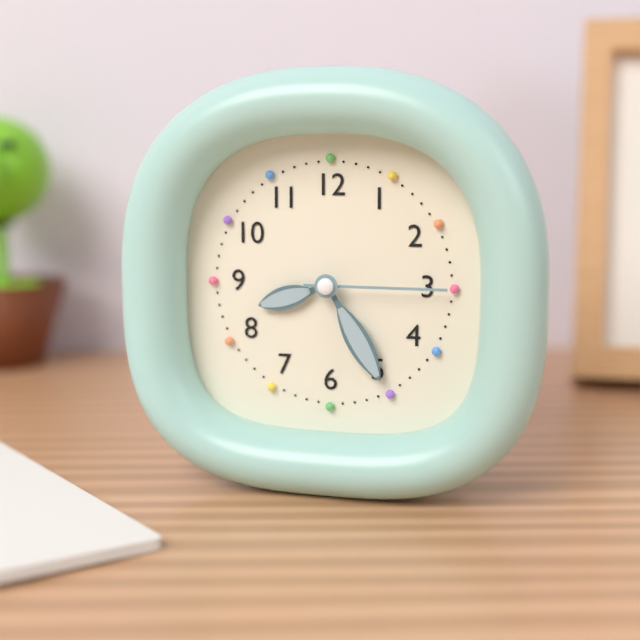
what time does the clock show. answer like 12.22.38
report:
8.25.15
